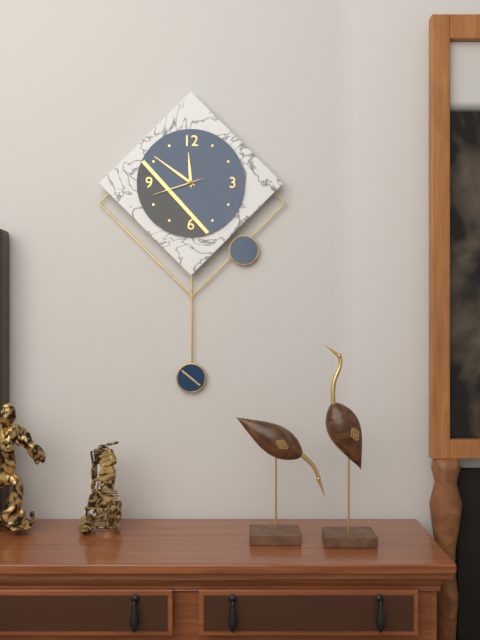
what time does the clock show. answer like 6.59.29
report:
11.51.42
